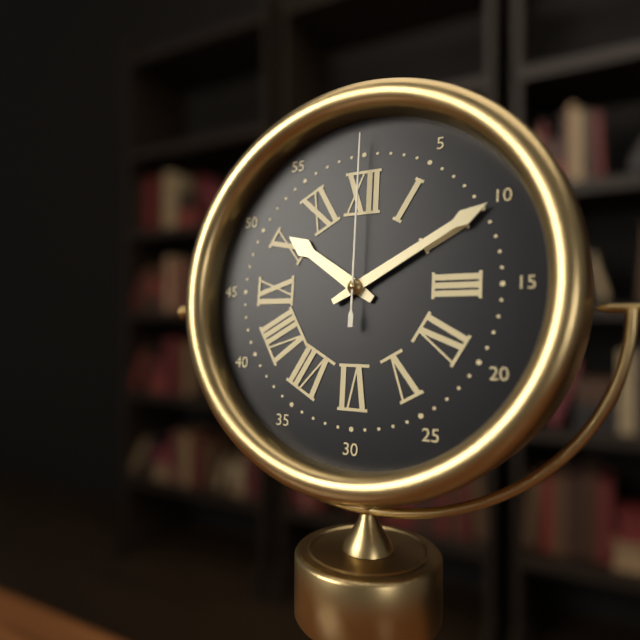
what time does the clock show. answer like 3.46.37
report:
10.10.00
